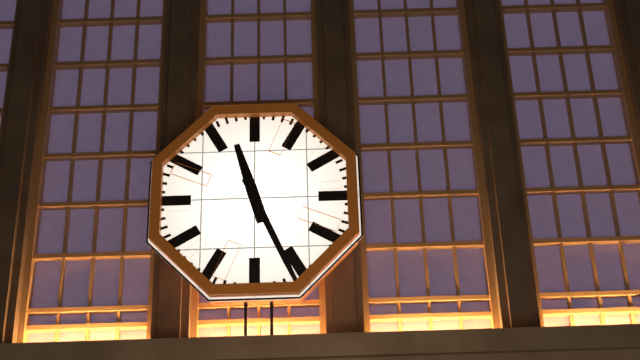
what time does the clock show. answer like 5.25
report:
11.26
